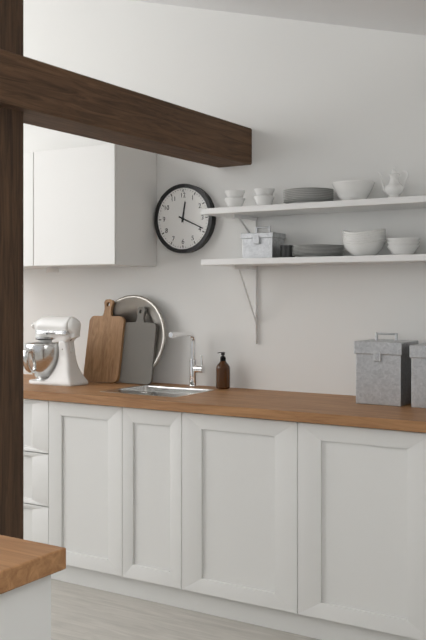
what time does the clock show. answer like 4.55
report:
12.19
